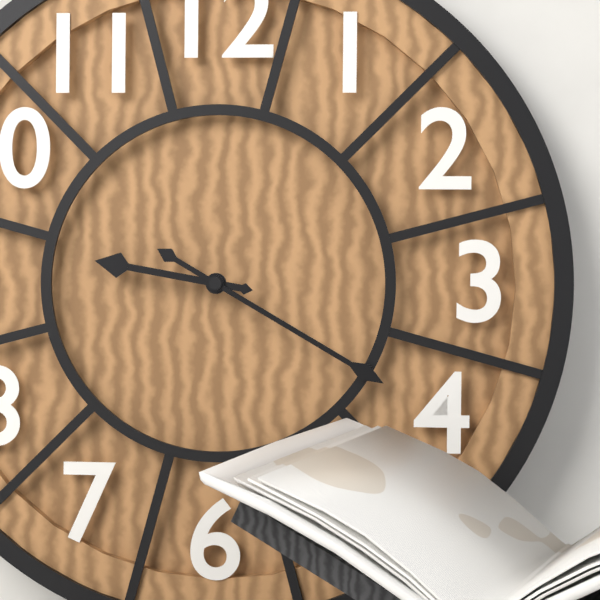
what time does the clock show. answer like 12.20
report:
9.20
